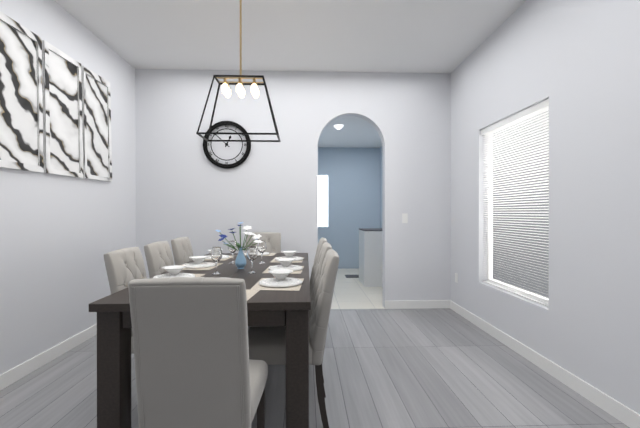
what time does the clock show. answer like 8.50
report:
12.52
